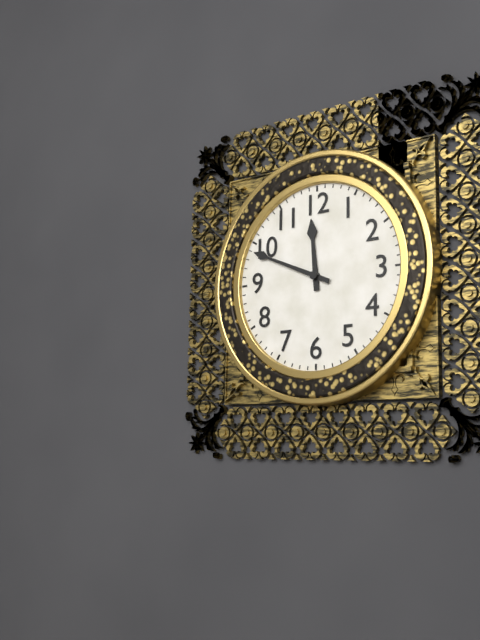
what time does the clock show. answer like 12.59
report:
11.49
